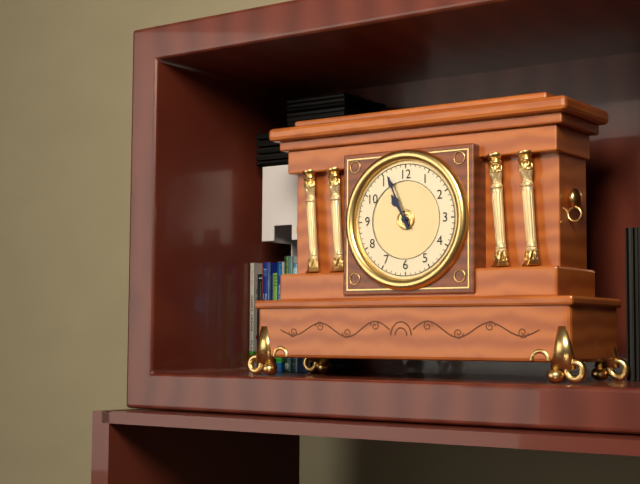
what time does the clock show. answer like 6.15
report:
10.56
